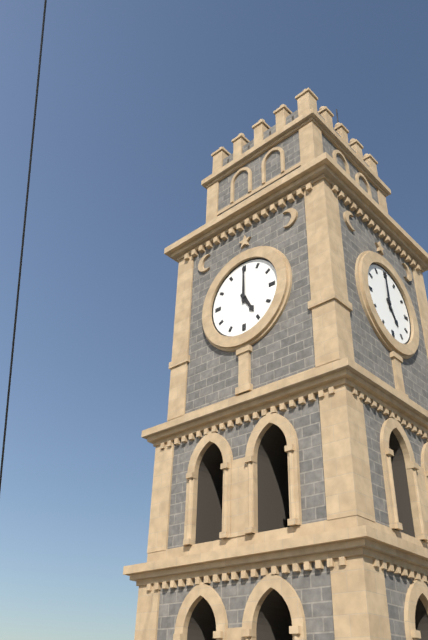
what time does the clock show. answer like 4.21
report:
5.00
